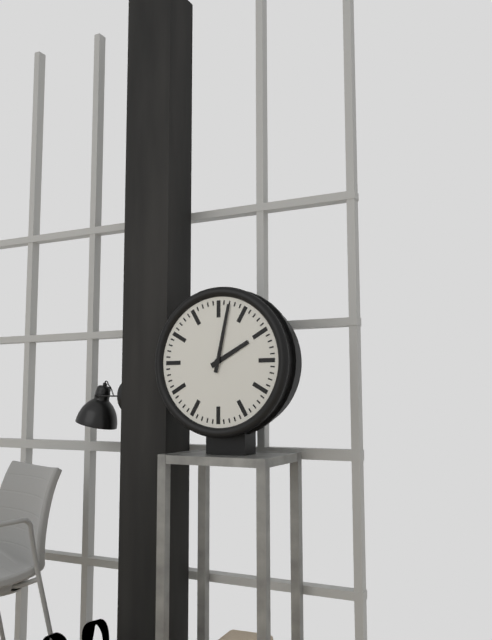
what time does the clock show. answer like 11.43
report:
2.02
